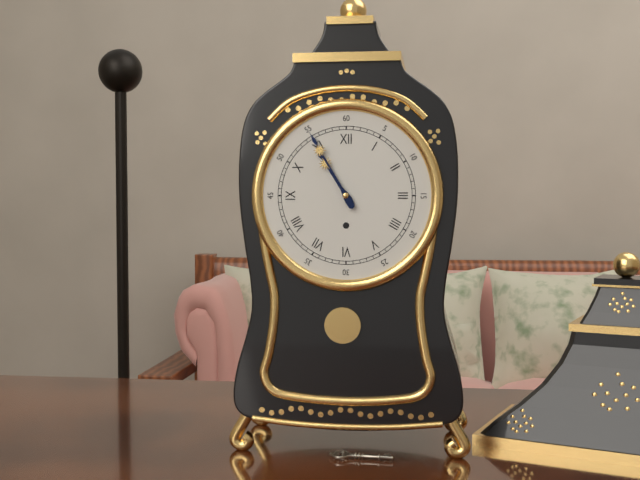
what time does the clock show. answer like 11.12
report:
10.55
